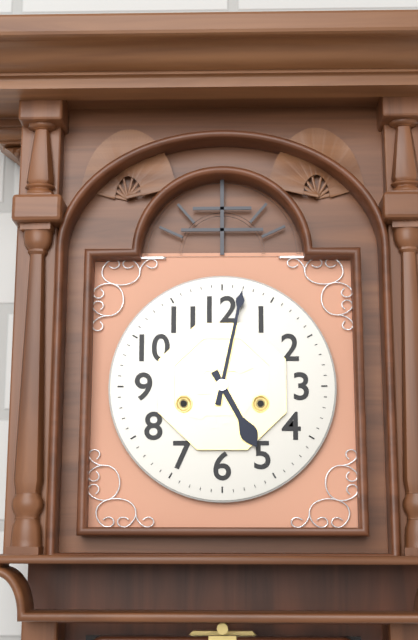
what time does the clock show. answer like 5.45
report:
5.02
